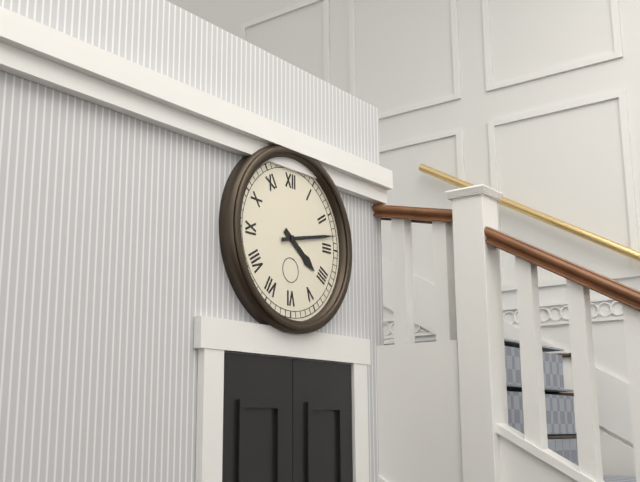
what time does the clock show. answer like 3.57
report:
4.13
